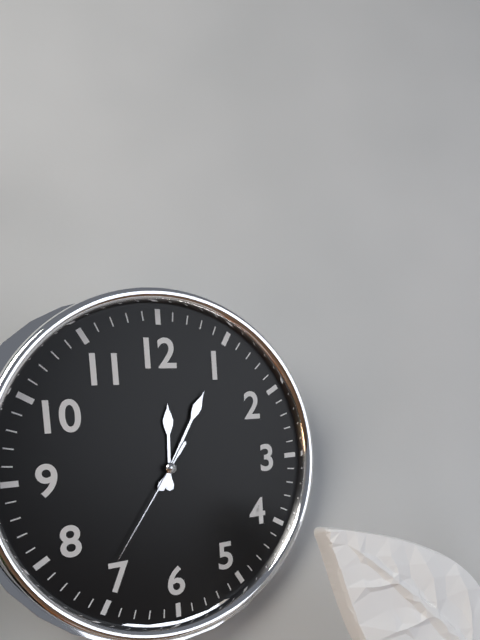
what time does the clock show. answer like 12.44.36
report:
12.05.36
